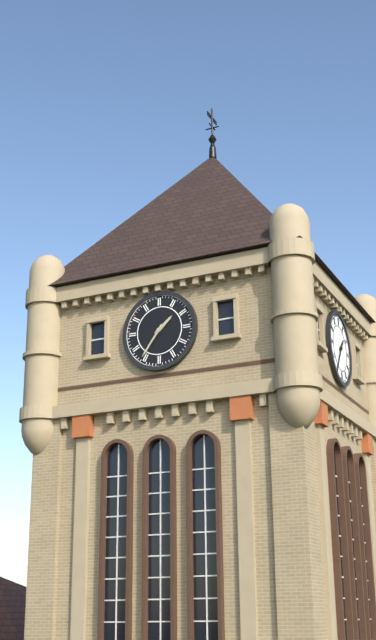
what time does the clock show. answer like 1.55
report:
1.36
